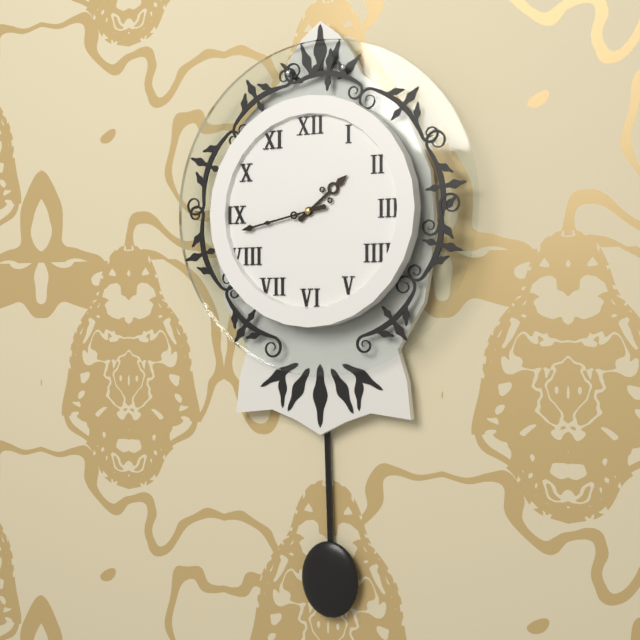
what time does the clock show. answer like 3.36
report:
1.43
